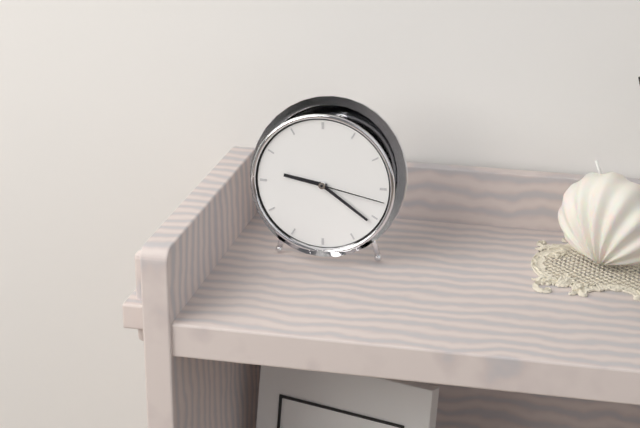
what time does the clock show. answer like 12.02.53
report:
9.21.17
